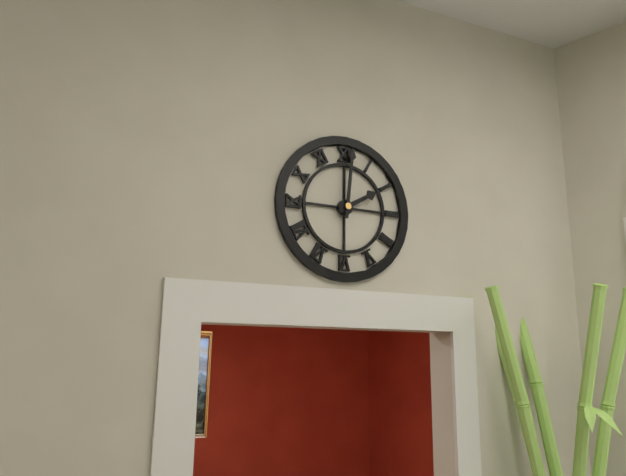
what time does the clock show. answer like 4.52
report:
2.01
